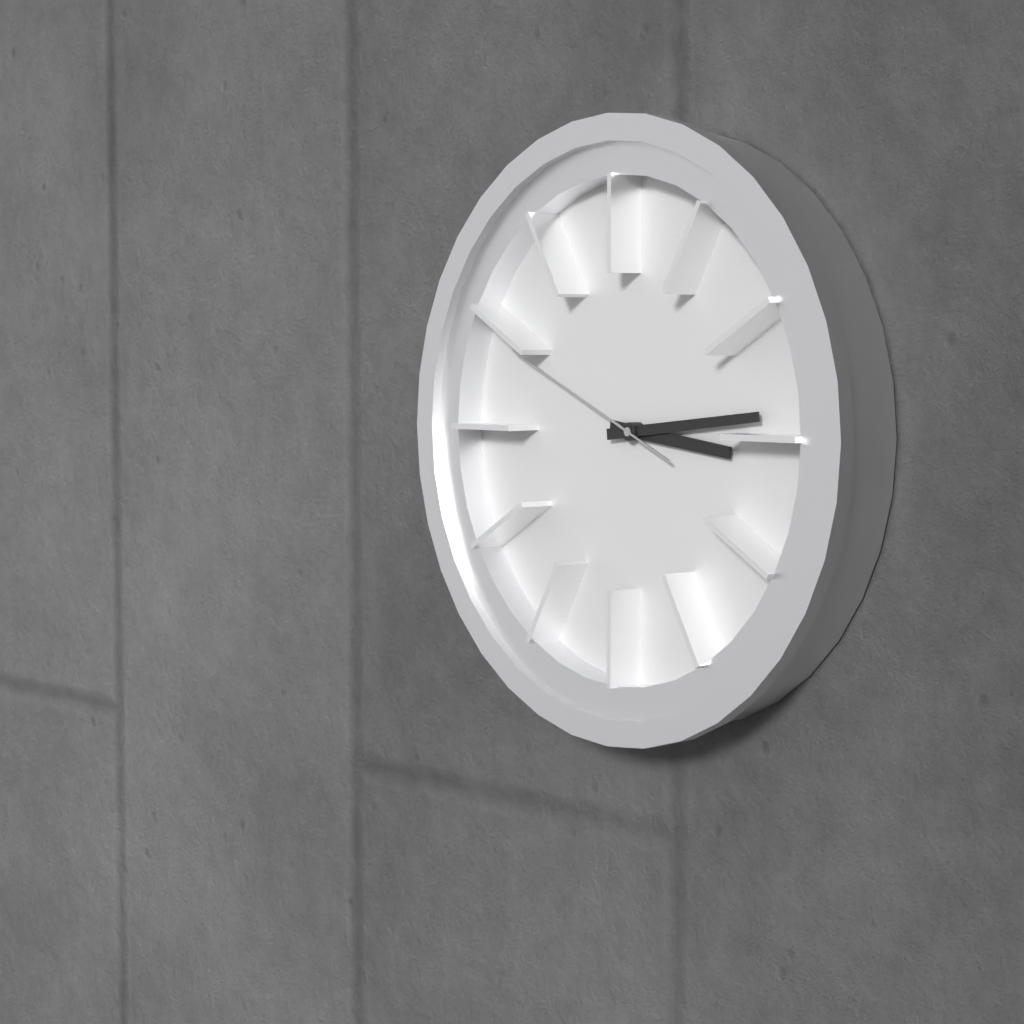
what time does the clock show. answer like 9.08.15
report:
3.14.49
